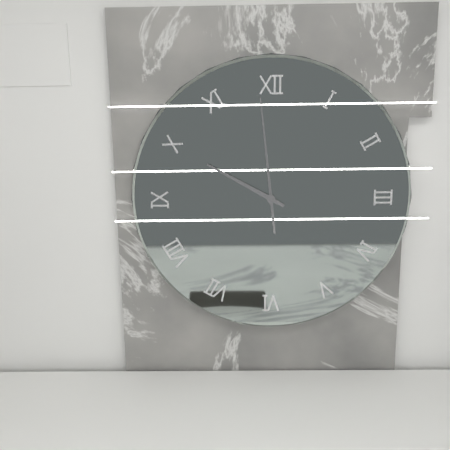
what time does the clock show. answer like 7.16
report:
9.59
